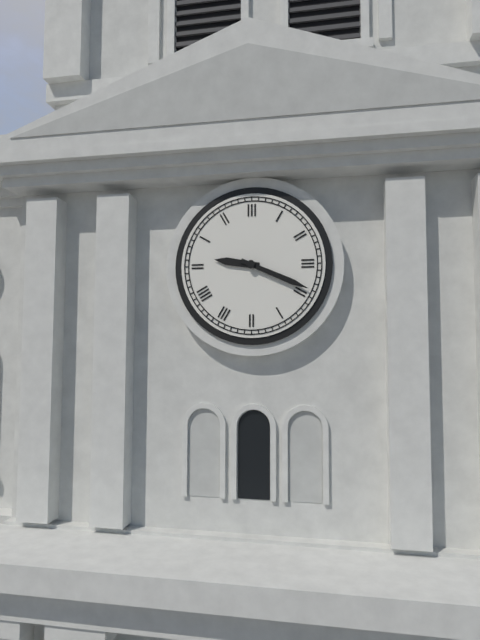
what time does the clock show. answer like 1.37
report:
9.19
